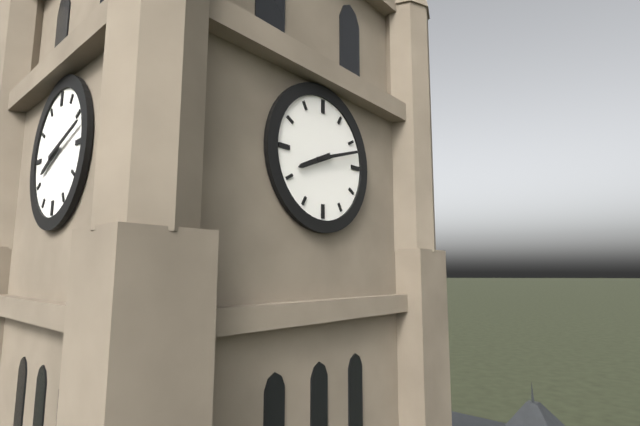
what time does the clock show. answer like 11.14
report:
8.12
